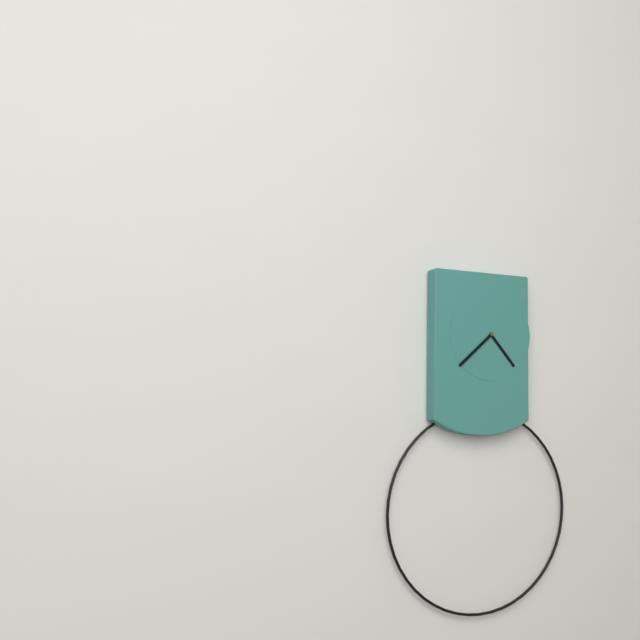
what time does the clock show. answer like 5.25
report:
4.38
